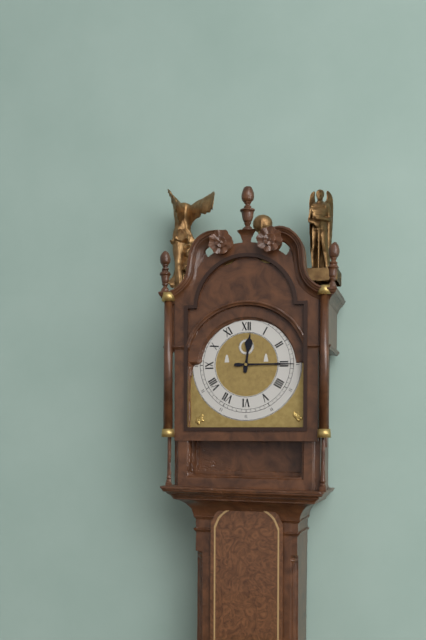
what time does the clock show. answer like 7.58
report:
12.15
